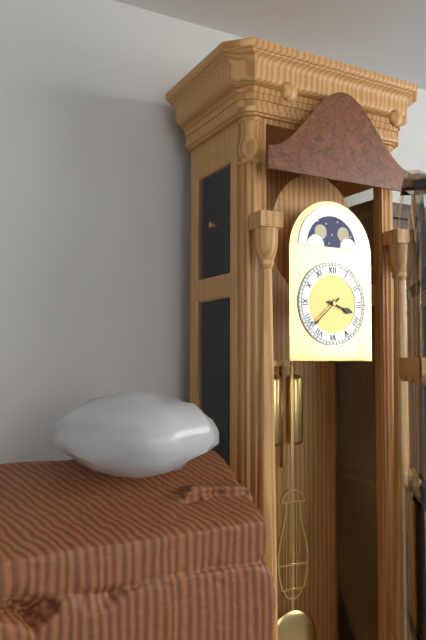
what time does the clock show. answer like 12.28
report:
3.38
